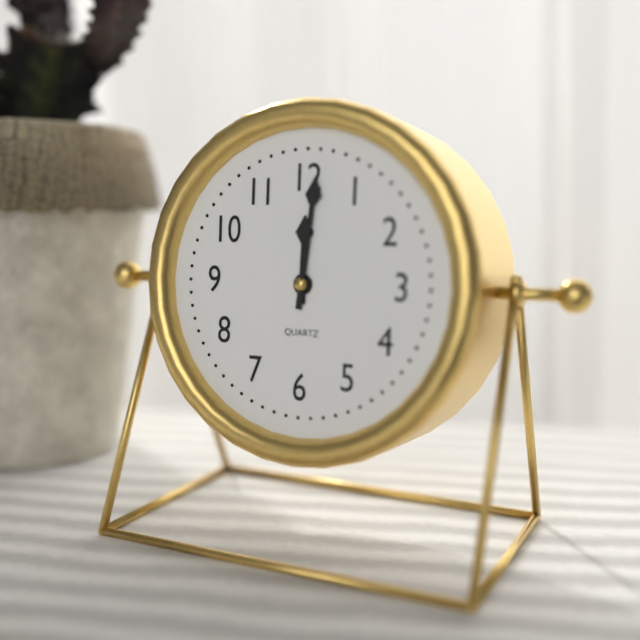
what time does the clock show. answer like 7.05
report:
12.01
